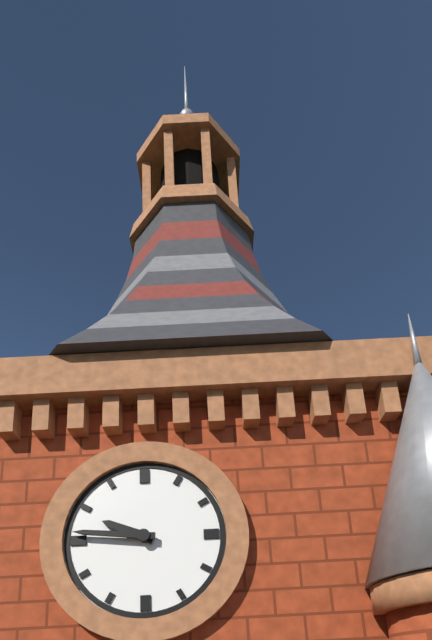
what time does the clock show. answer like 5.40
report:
9.46
